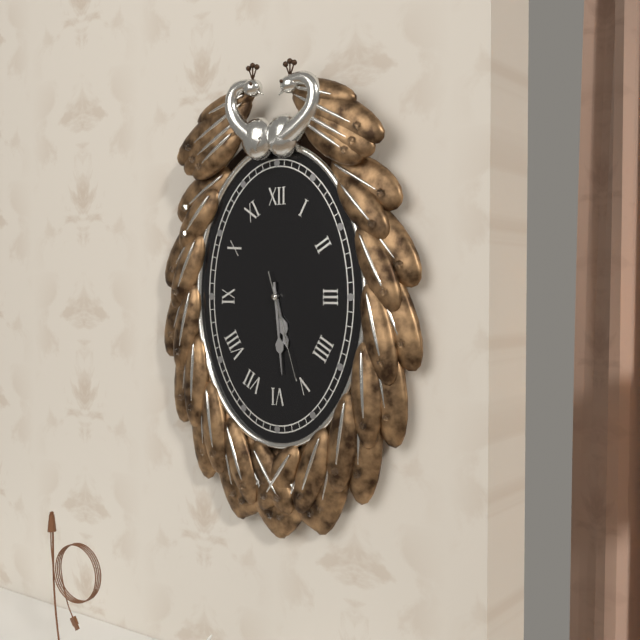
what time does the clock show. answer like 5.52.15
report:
5.29.27
